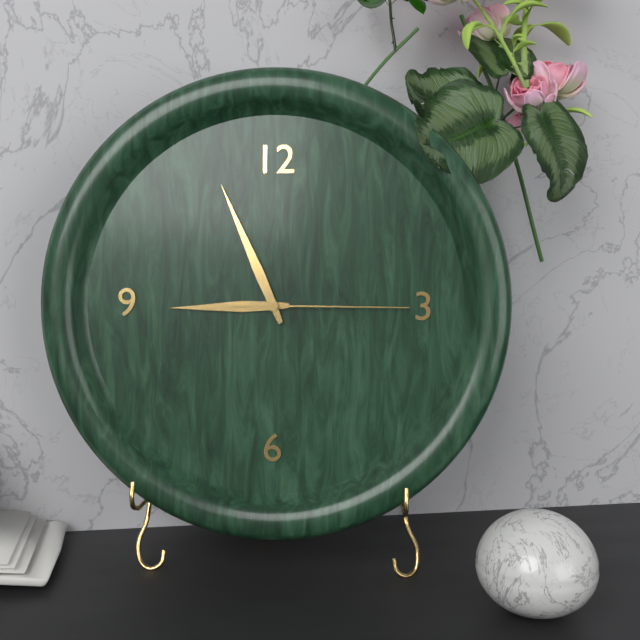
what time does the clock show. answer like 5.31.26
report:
8.56.15
